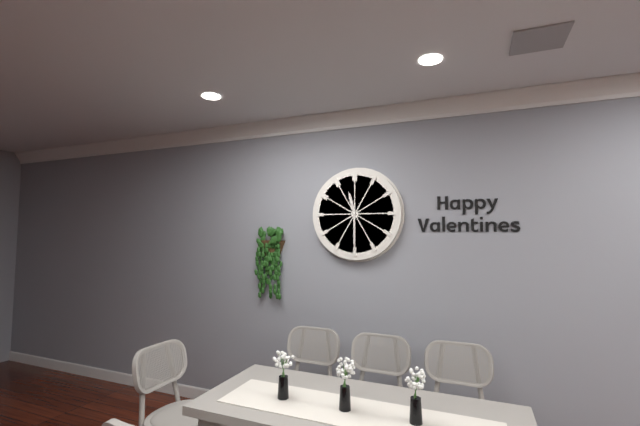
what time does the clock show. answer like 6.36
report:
11.30
